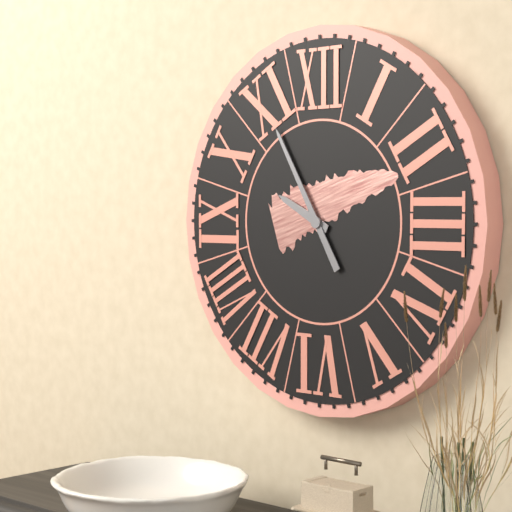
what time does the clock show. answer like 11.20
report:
9.55
